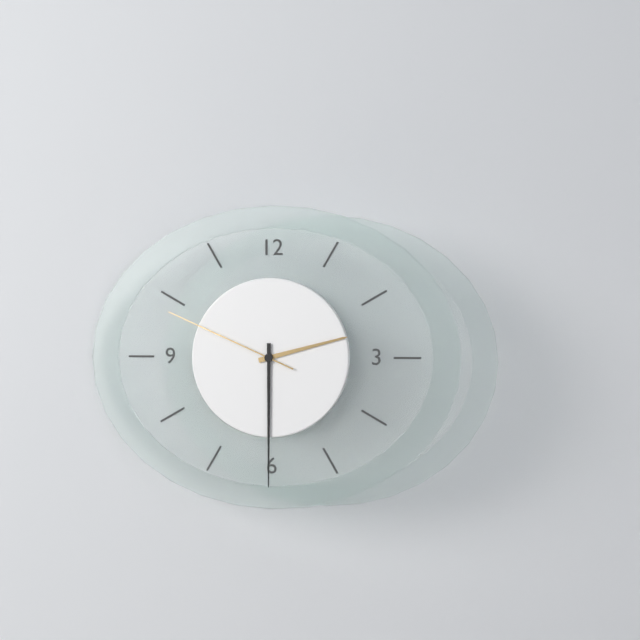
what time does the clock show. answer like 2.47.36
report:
2.30.49
